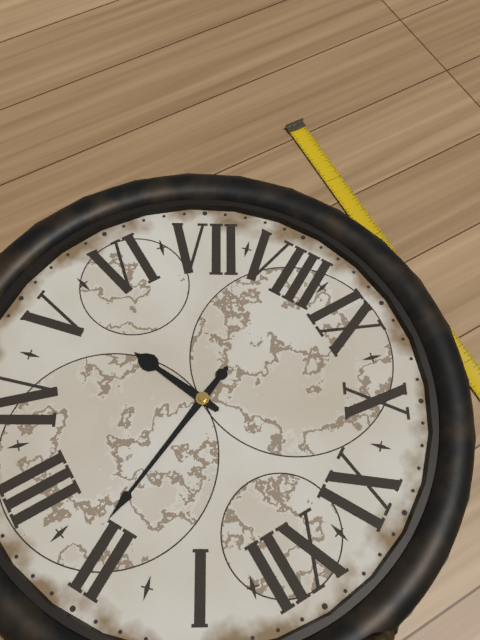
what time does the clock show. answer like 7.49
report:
5.11
